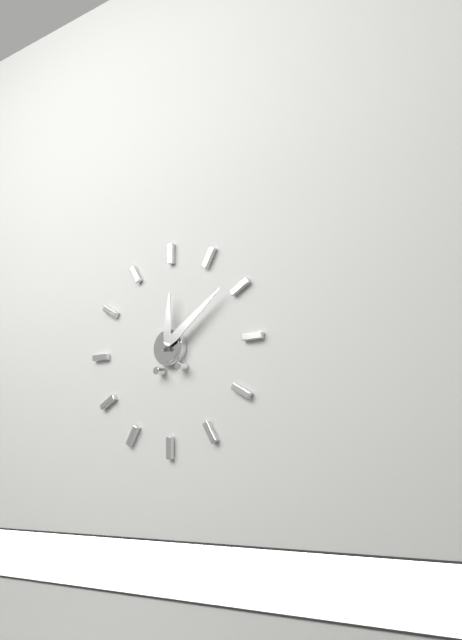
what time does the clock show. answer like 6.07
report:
12.09
